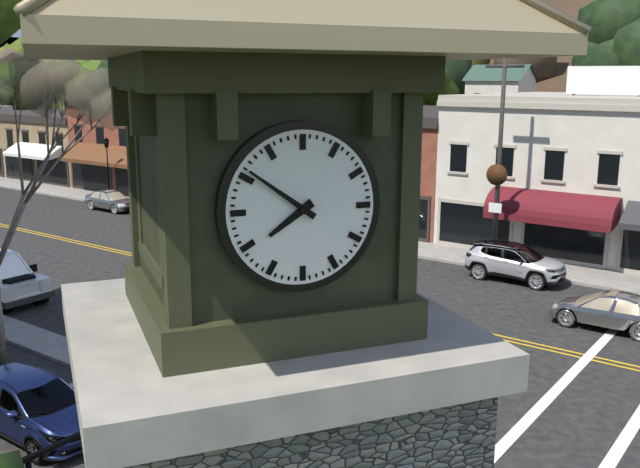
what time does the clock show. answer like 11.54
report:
7.51
